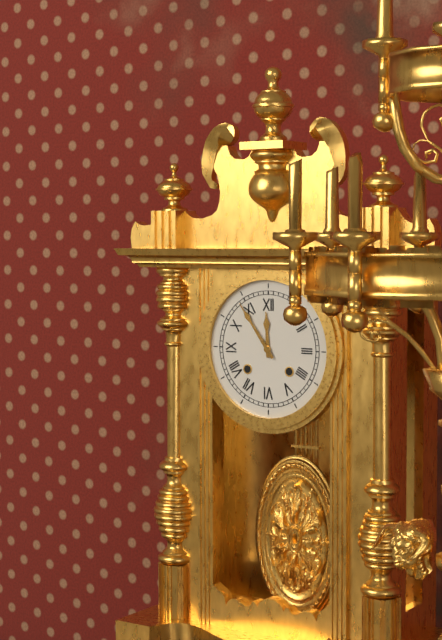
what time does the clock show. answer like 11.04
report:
11.54
